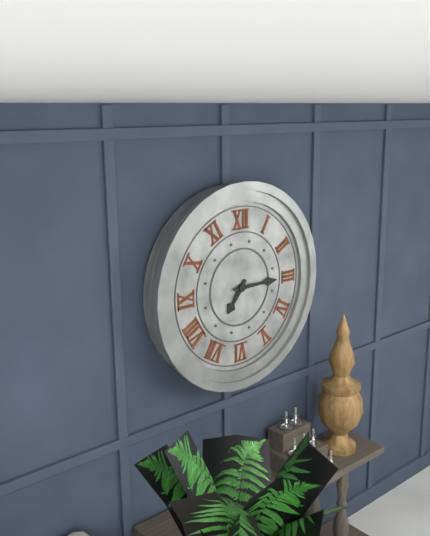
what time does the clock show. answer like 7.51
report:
7.15
